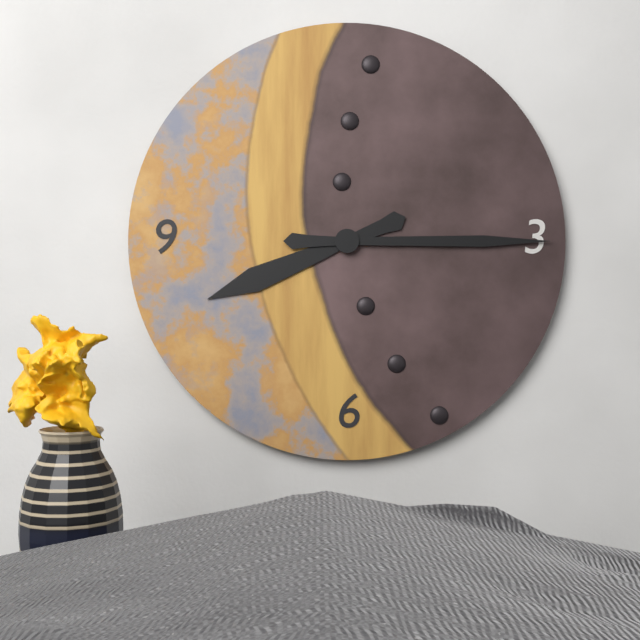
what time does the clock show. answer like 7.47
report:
8.15
